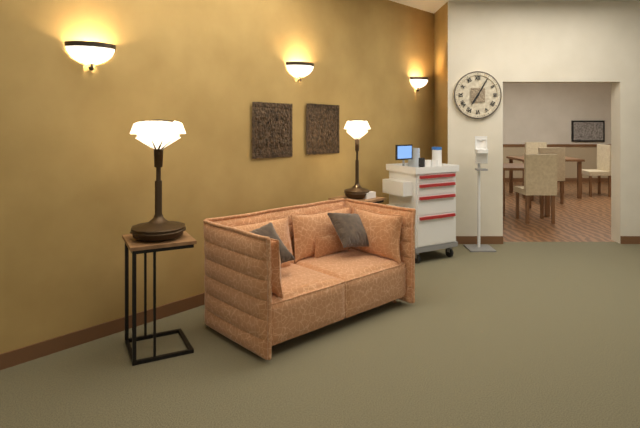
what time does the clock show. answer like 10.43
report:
7.05
